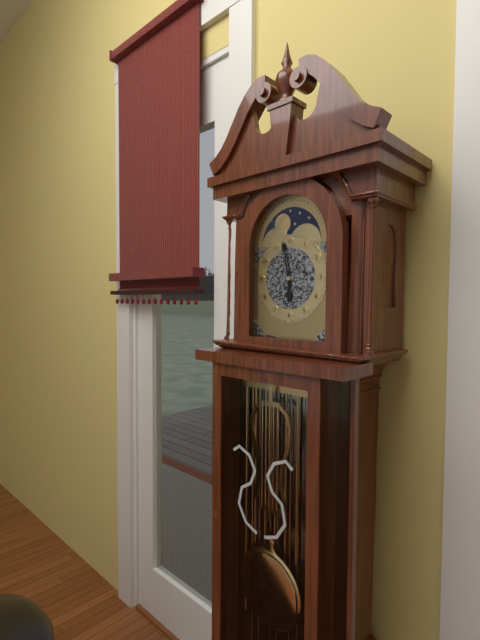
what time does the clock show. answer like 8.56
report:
5.58
